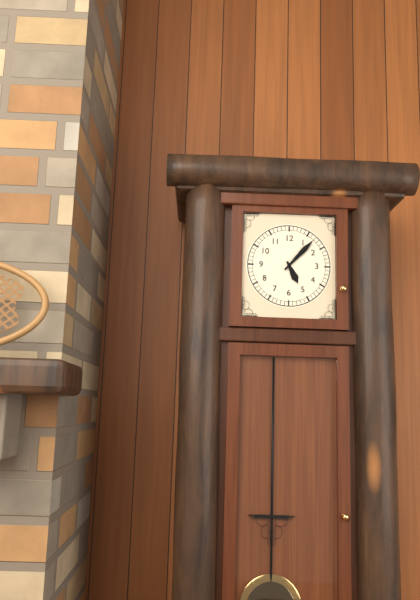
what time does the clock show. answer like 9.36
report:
5.07
